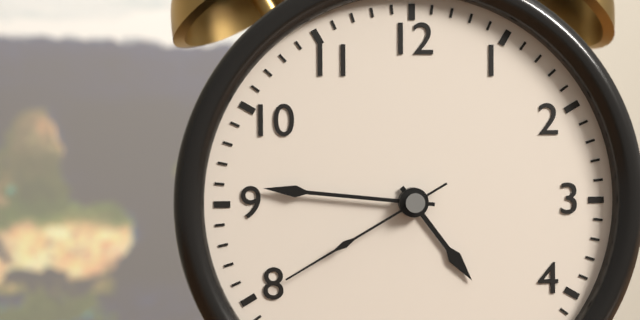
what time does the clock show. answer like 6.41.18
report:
4.46.40
